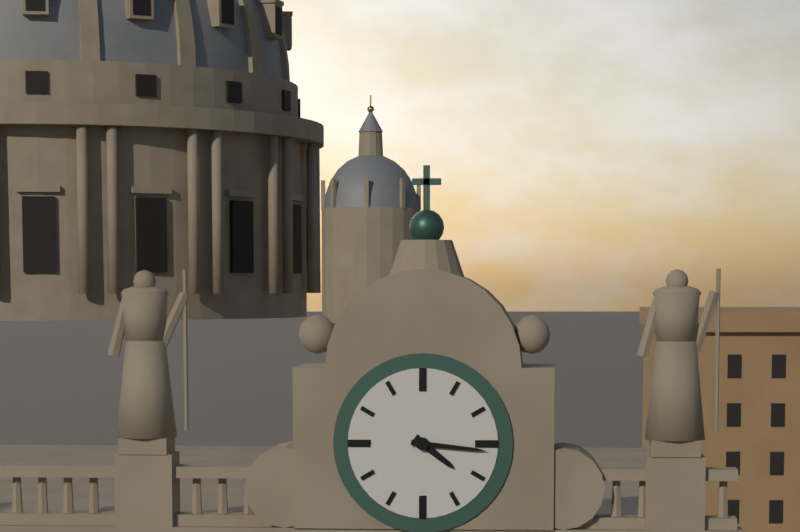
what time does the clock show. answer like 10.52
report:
4.16
